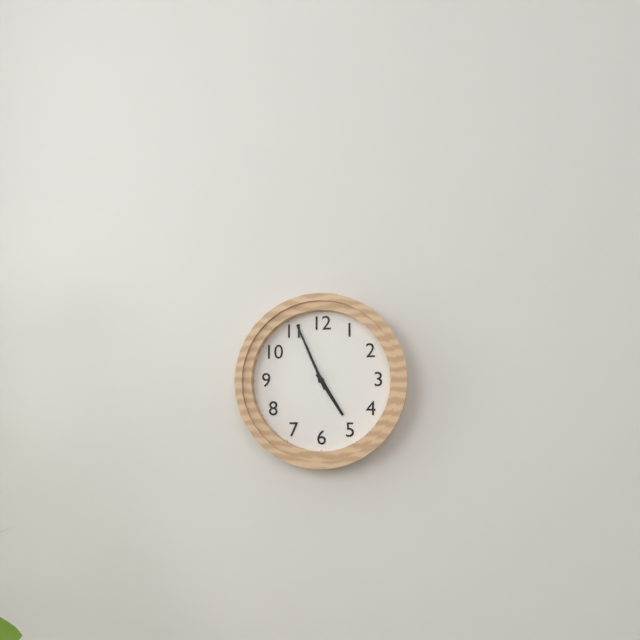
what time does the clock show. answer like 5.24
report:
4.56
